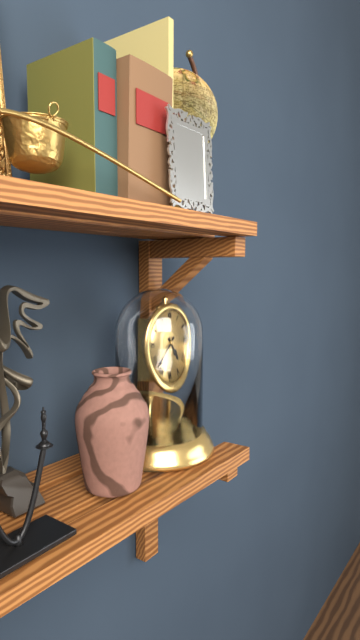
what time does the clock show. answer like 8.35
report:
4.38
